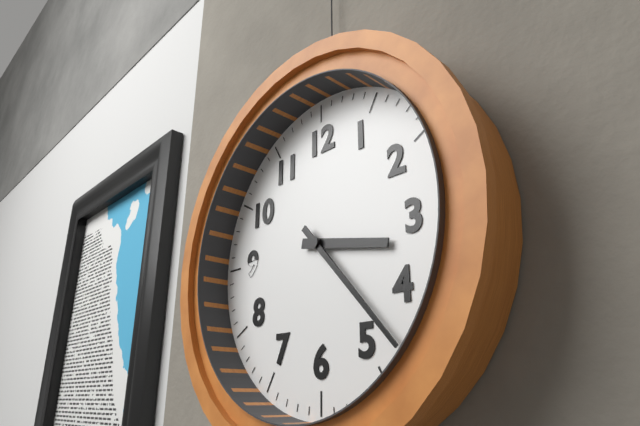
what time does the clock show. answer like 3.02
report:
3.23
